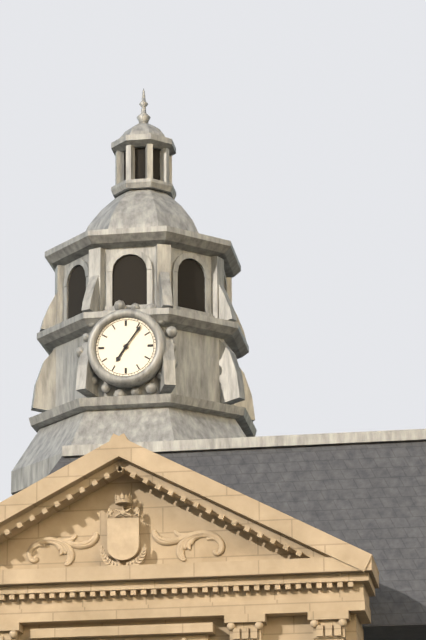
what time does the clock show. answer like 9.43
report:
7.06
